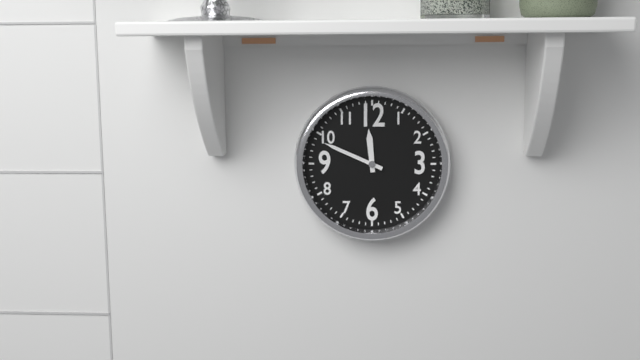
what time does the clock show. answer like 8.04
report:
11.49
